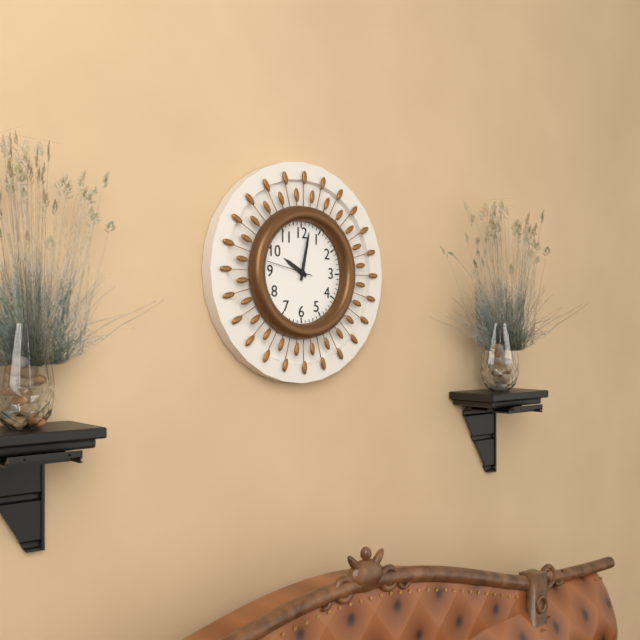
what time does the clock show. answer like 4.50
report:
10.02
